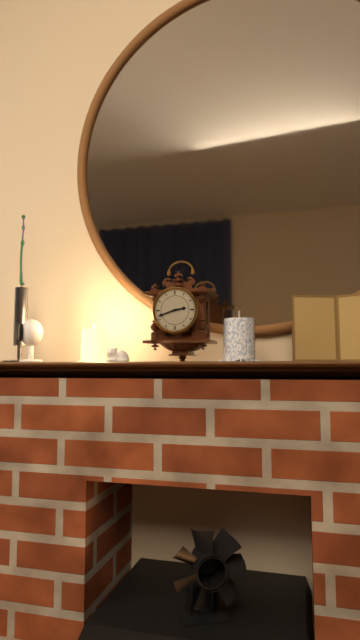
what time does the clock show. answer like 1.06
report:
2.42
